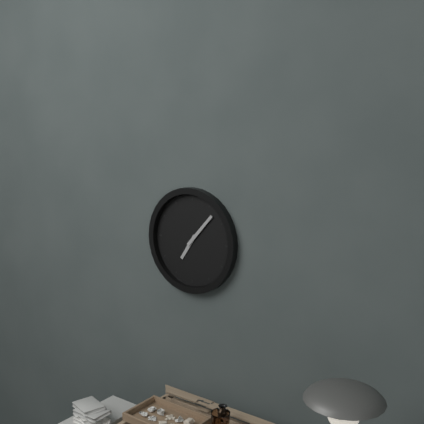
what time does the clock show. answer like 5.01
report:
7.07
